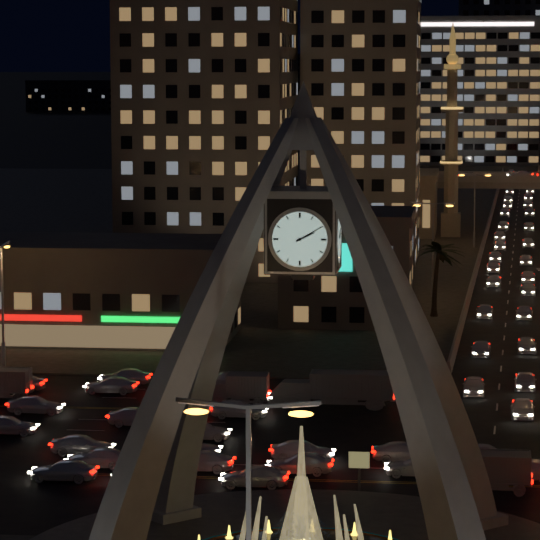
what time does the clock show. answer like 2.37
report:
2.10
